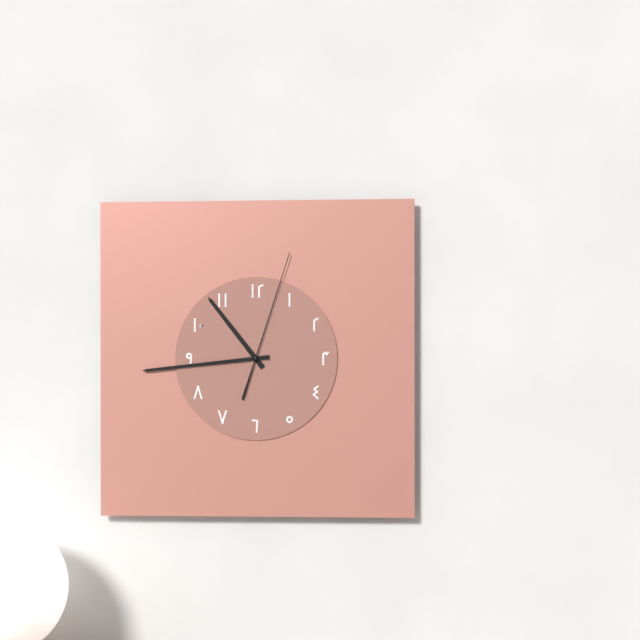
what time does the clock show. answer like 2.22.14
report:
10.44.03
